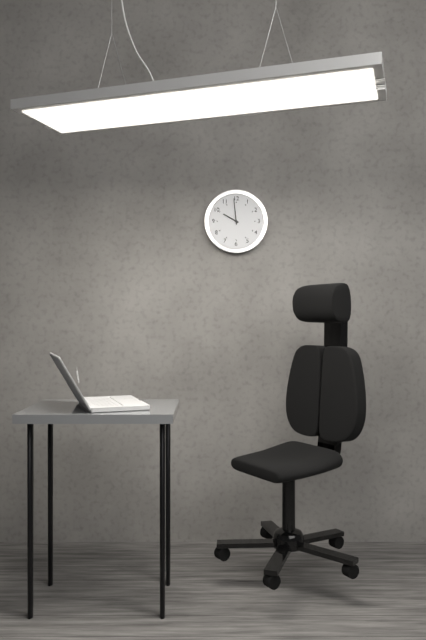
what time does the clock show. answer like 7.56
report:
9.59
